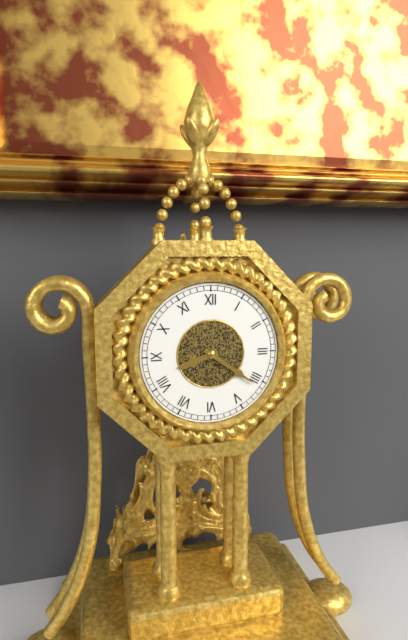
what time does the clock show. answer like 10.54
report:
8.21
